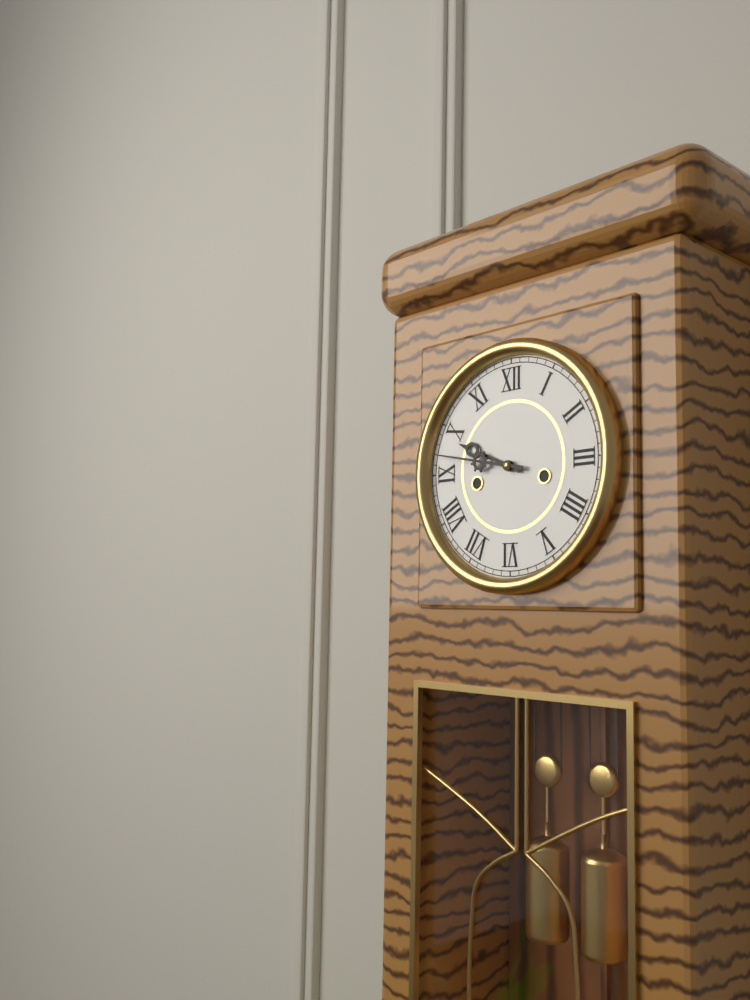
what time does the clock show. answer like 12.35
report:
9.47
